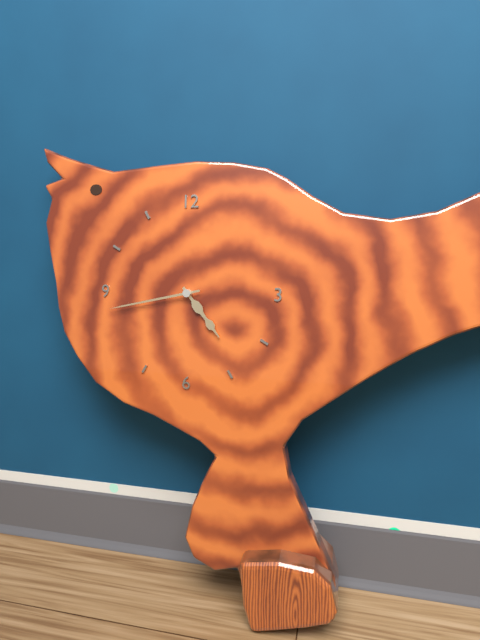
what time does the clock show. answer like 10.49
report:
4.43
